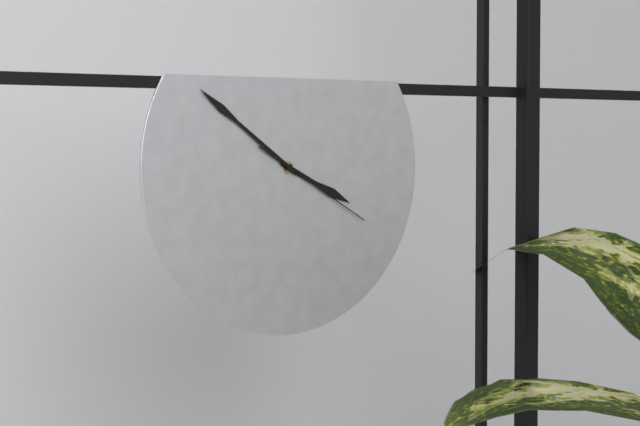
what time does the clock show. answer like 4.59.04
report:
3.51.20
